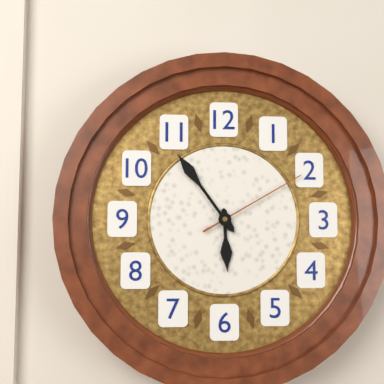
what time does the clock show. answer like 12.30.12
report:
5.54.10
